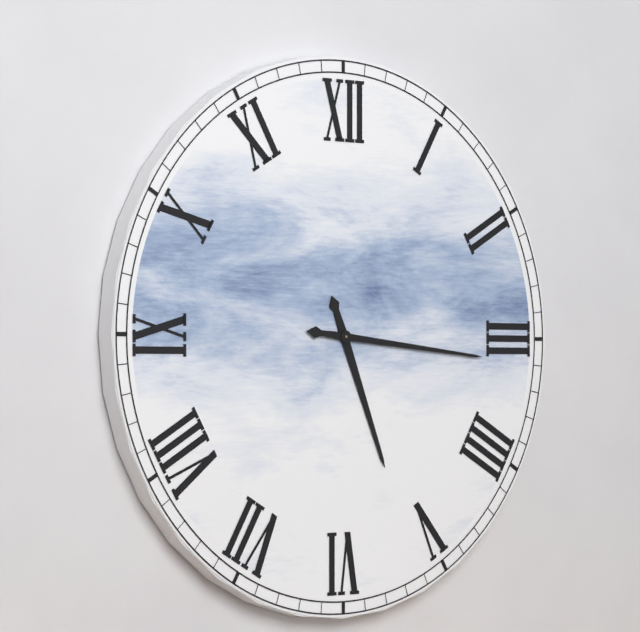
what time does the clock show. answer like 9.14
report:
5.16
